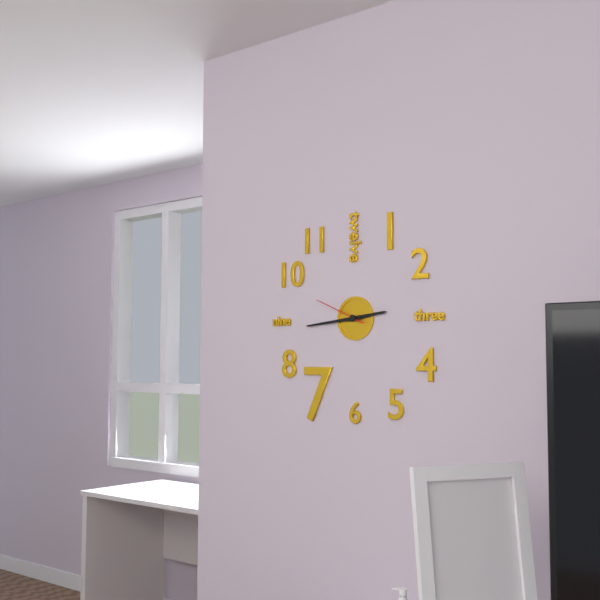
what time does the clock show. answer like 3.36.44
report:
2.44.49
